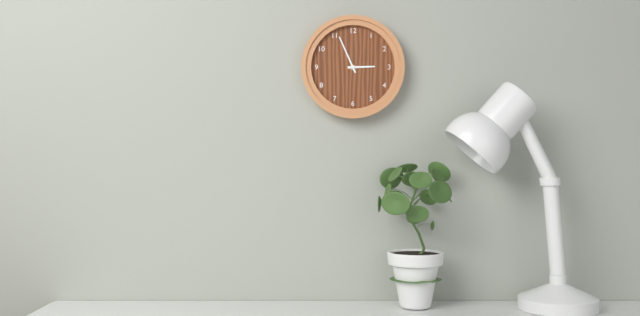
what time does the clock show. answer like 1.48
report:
2.56
